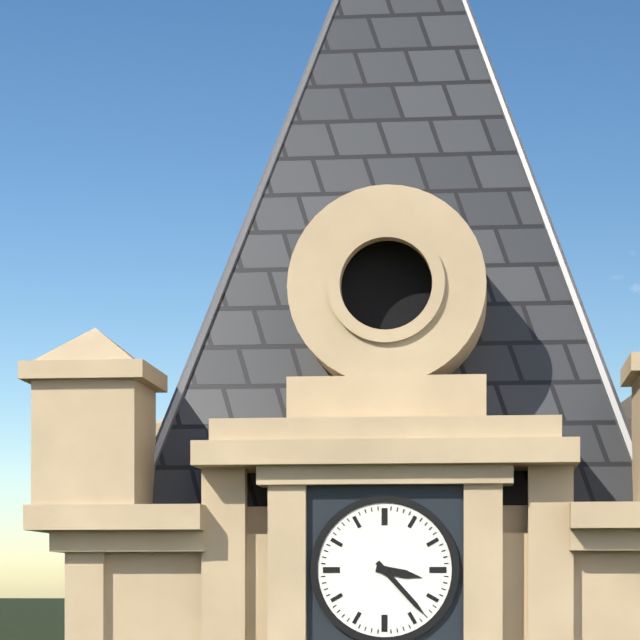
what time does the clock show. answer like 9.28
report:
3.23
